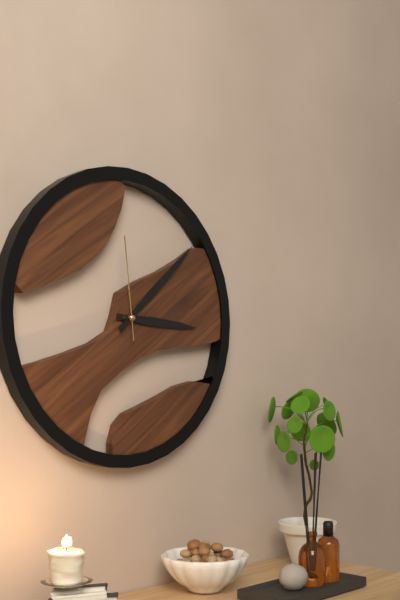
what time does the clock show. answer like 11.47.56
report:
3.08.59
